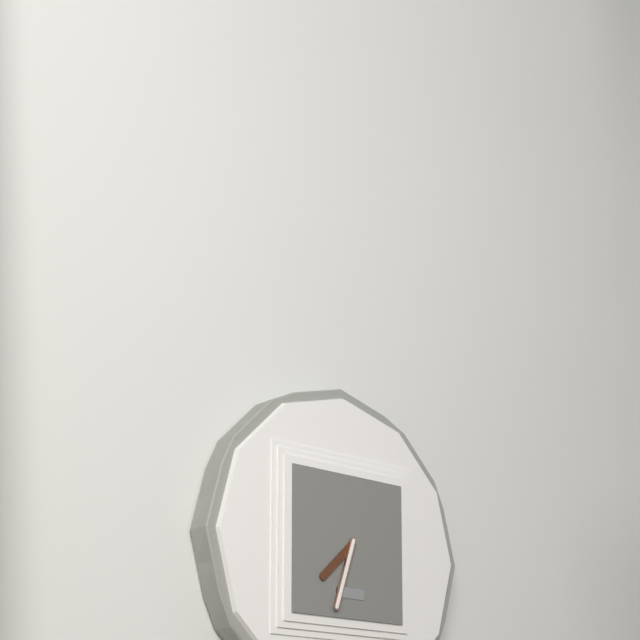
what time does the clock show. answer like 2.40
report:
7.33
